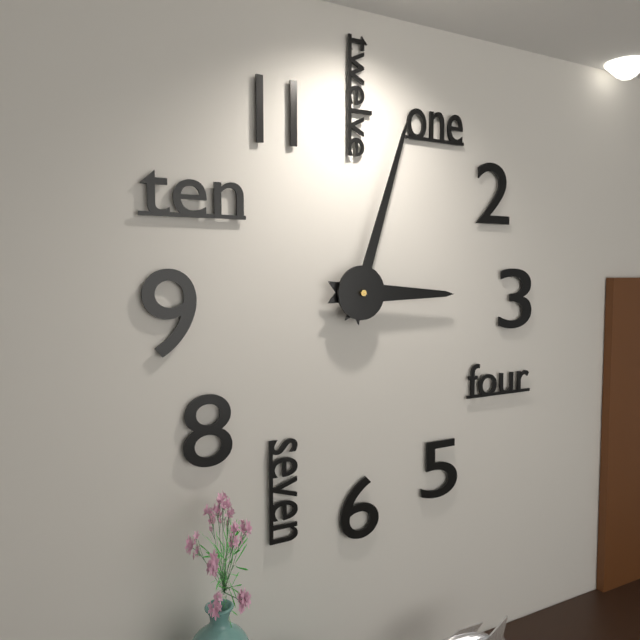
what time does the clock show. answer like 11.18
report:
3.03
